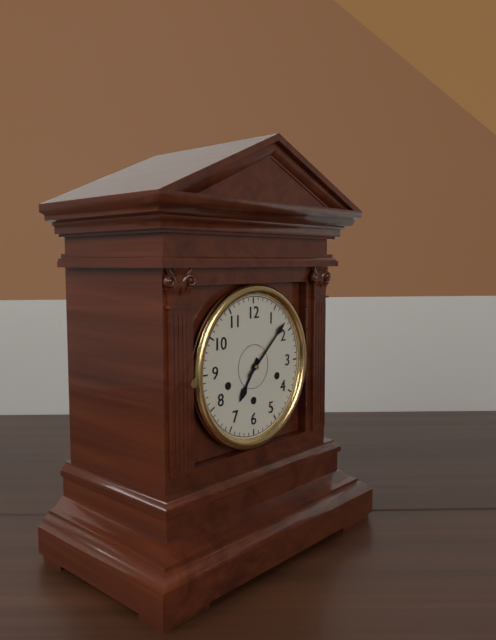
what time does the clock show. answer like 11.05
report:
7.08
